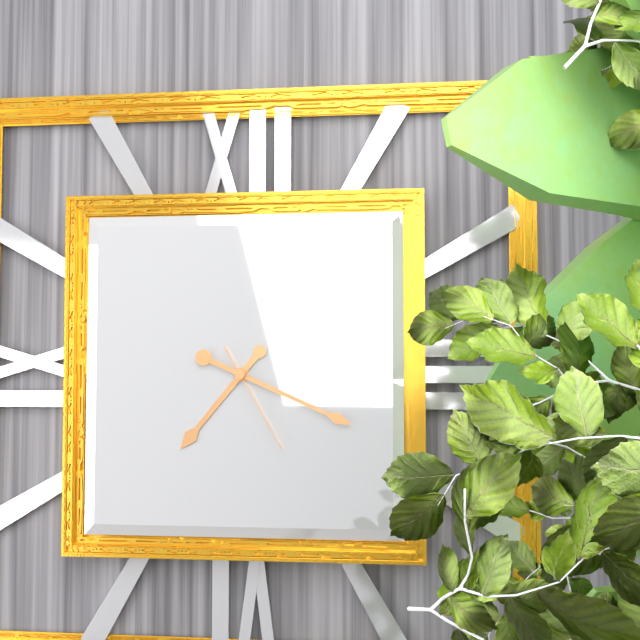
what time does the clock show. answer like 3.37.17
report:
7.19.25
